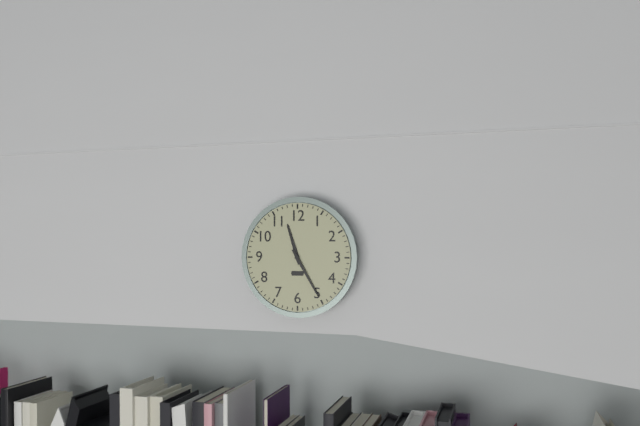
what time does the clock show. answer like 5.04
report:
11.25
